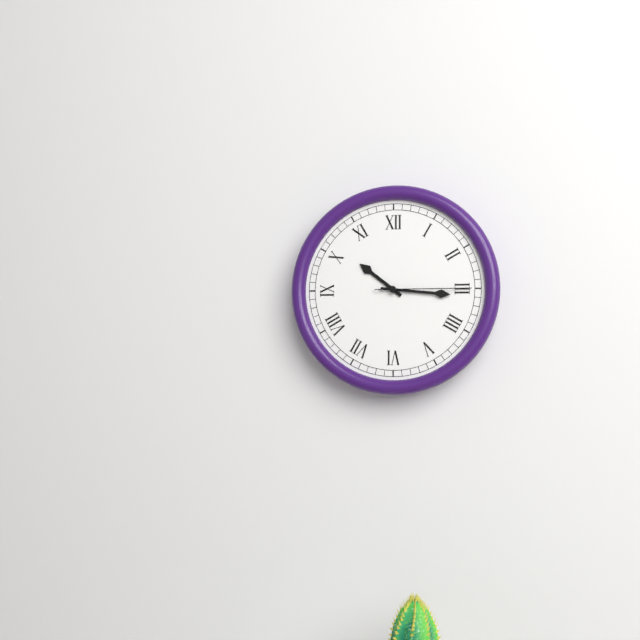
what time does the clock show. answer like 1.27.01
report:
10.16.15
